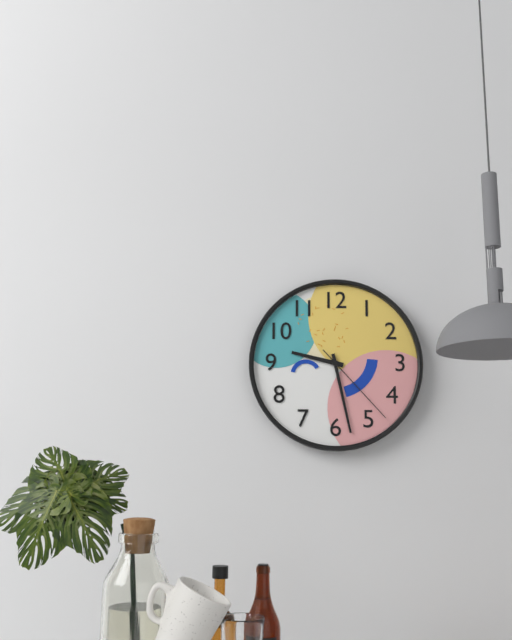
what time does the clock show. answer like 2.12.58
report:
9.28.23
